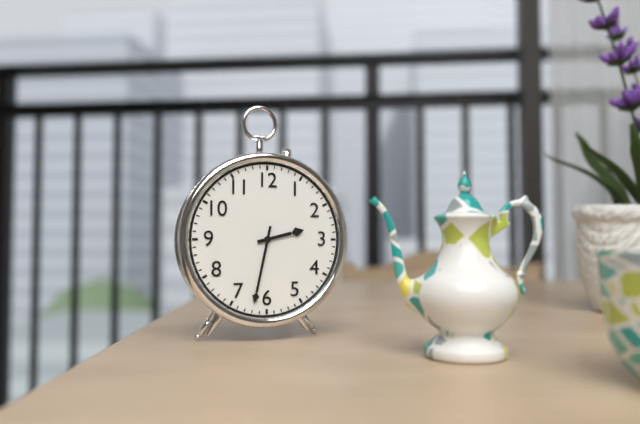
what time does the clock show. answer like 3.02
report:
2.32
